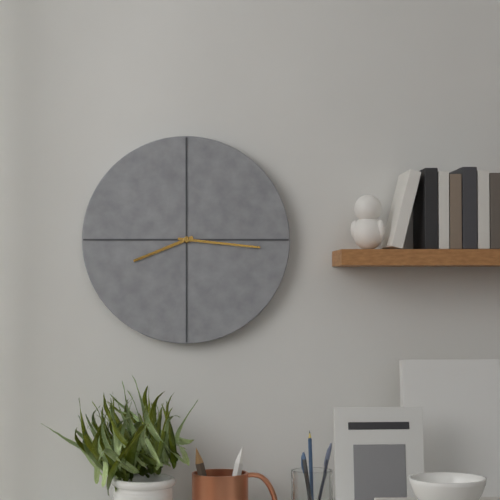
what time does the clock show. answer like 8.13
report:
8.16
